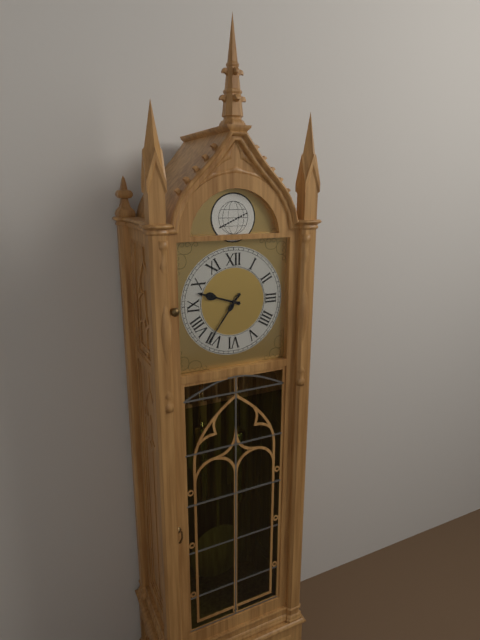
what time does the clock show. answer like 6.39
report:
9.36
